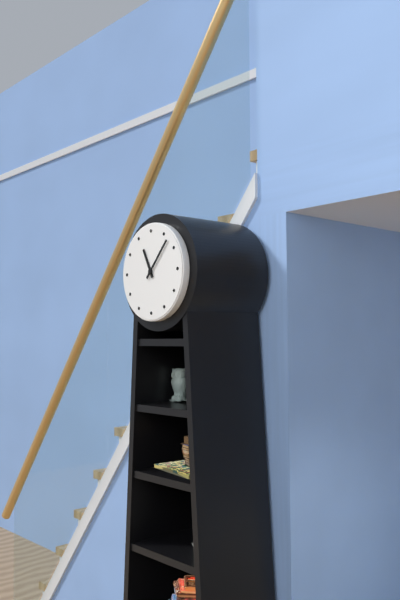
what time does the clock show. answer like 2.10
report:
11.07
